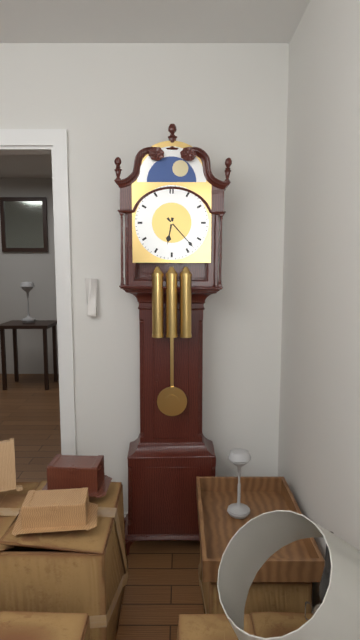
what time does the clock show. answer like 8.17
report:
6.23
